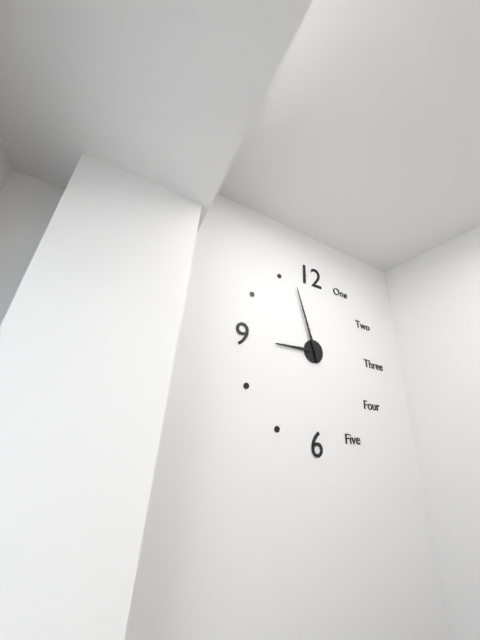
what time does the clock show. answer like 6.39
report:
8.57
